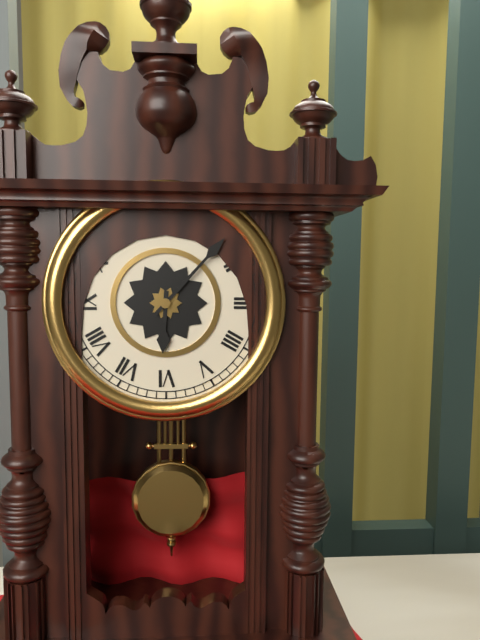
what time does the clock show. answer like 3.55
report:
6.07
